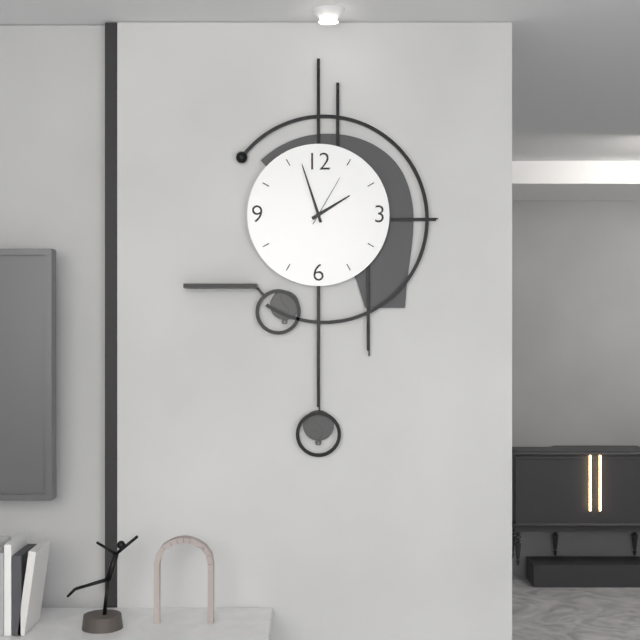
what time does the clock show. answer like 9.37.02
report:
1.57.05
